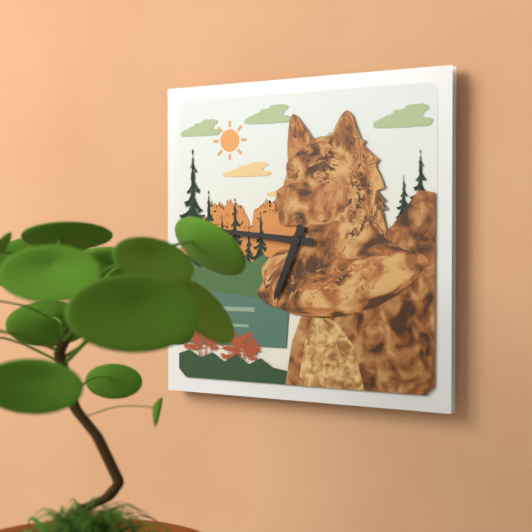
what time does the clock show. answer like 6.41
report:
6.46
